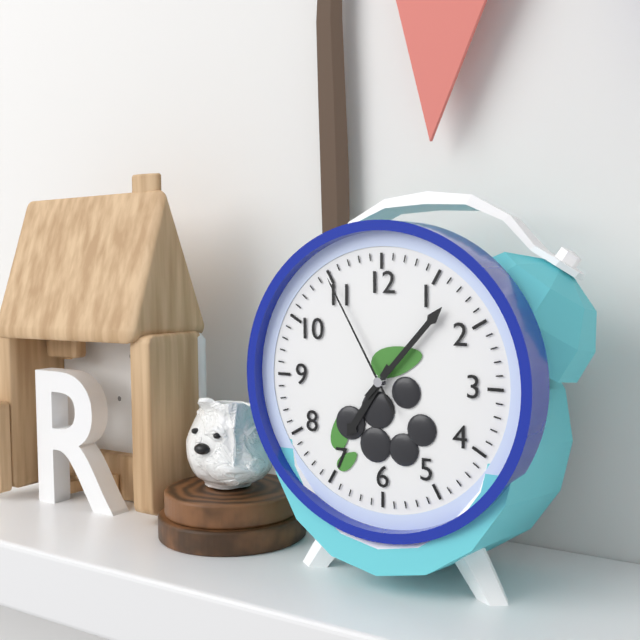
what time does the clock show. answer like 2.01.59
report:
7.07.55
